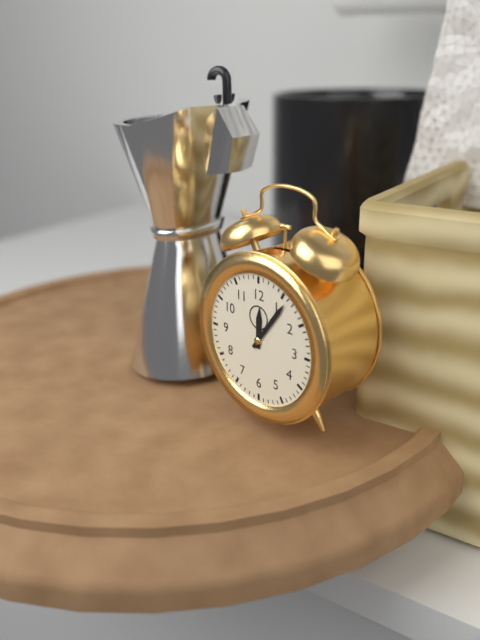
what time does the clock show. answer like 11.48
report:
12.06
